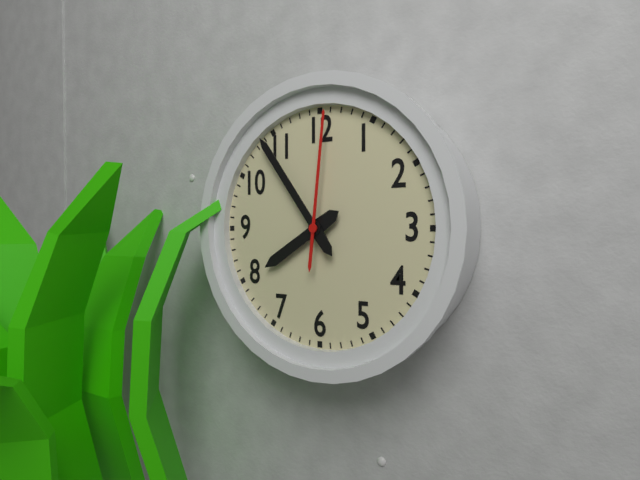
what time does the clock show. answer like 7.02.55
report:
7.54.01
